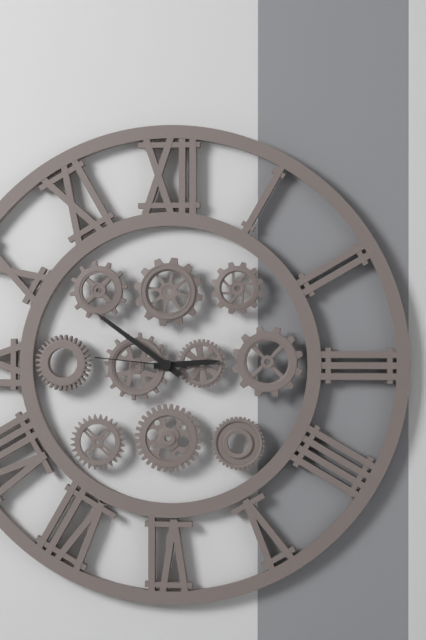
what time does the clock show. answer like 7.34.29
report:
2.51.46
